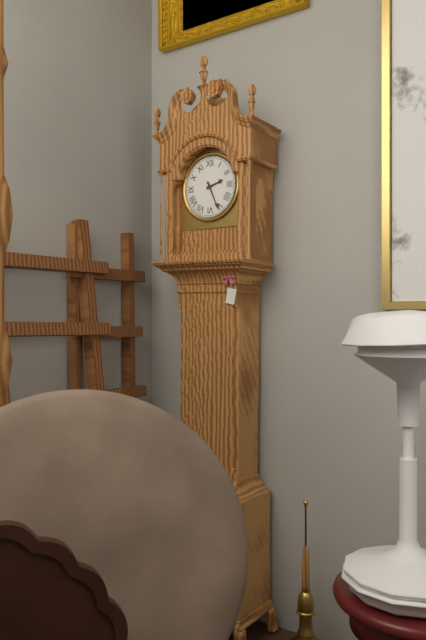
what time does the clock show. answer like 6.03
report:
2.26
